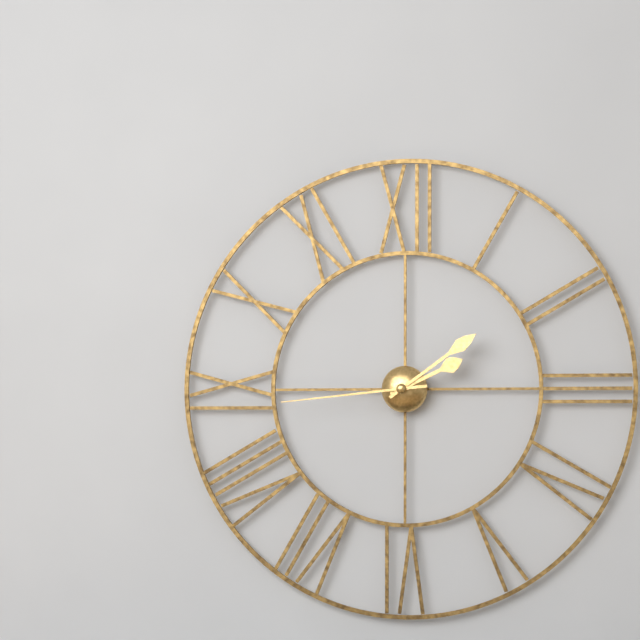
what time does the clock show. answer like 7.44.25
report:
2.09.44
